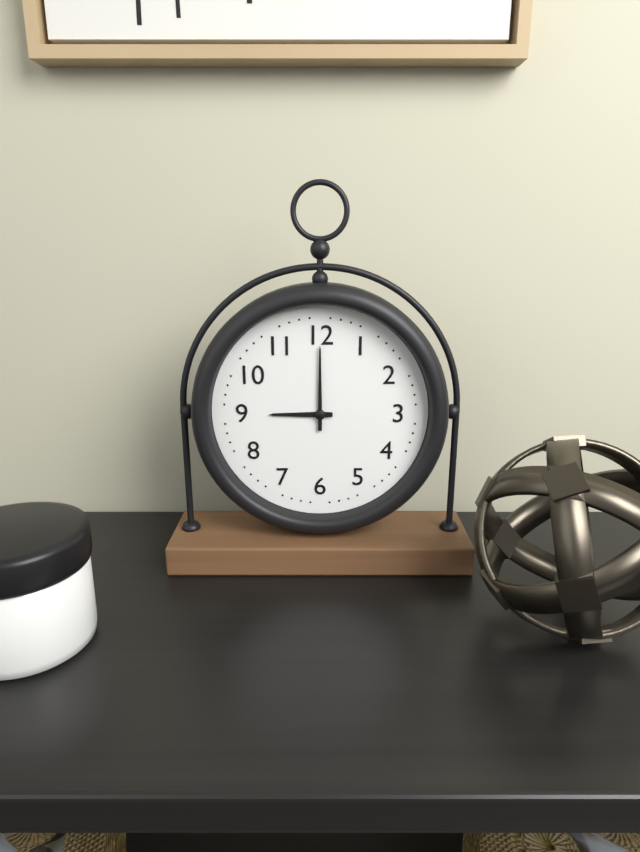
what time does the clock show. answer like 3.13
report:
9.00
